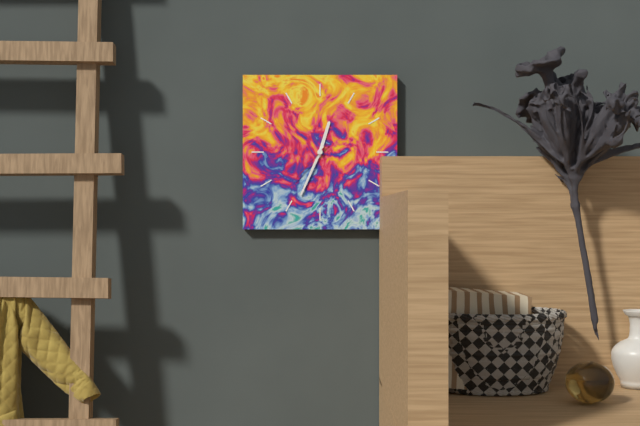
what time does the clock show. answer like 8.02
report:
12.34
